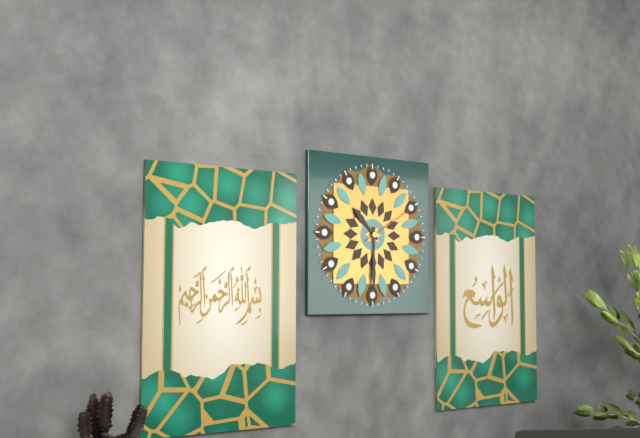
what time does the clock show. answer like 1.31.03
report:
10.30.10
